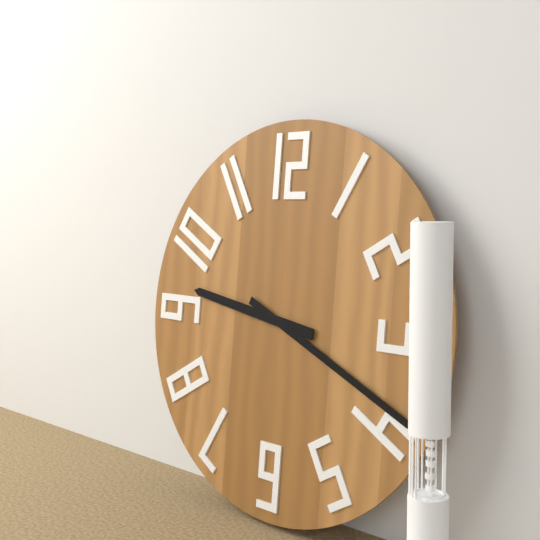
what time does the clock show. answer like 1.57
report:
9.19
